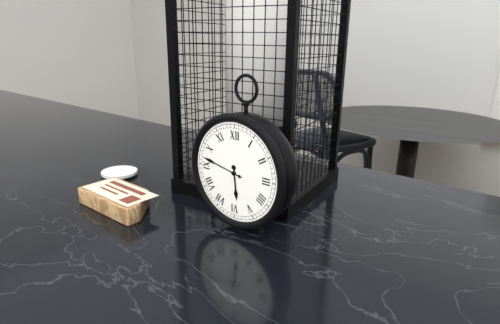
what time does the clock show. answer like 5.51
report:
5.47
